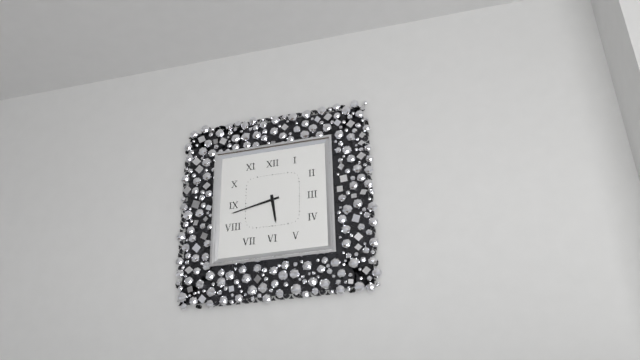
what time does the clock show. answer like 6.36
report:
5.43
